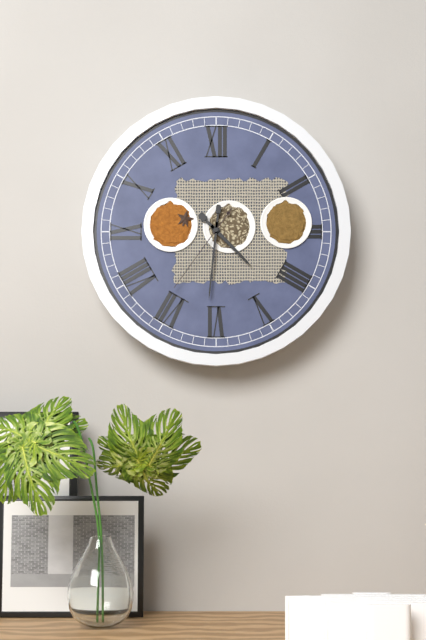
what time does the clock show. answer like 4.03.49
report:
4.31.36
